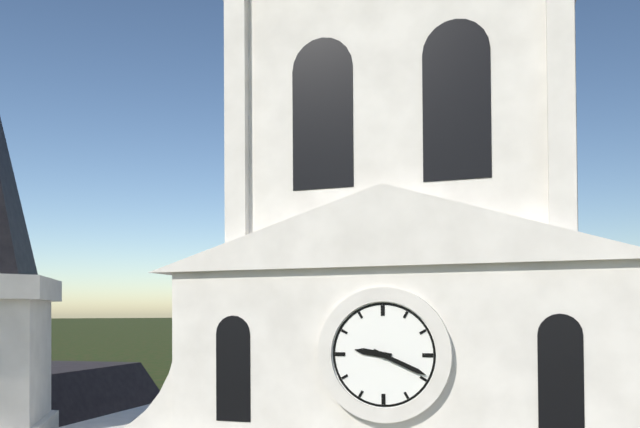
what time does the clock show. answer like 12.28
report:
9.19
